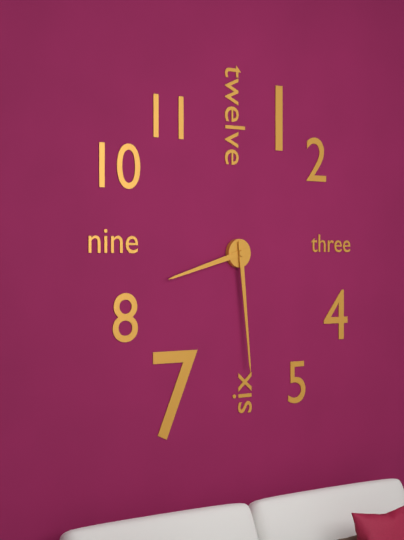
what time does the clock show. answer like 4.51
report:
8.29
